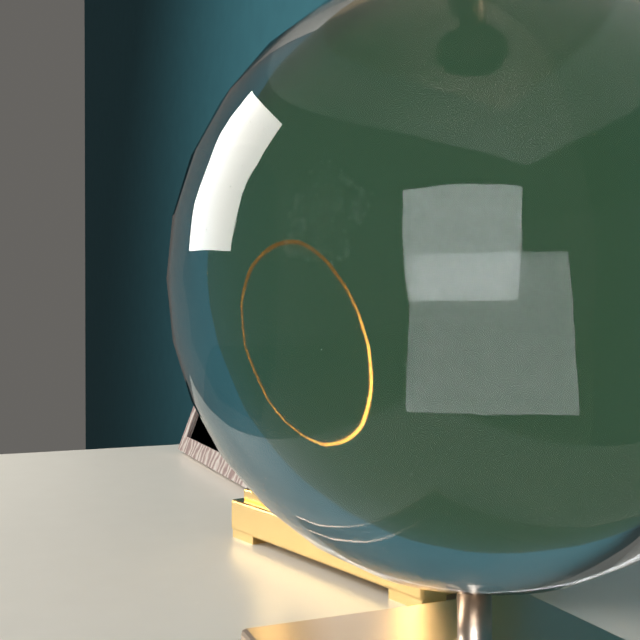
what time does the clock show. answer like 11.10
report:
12.47
